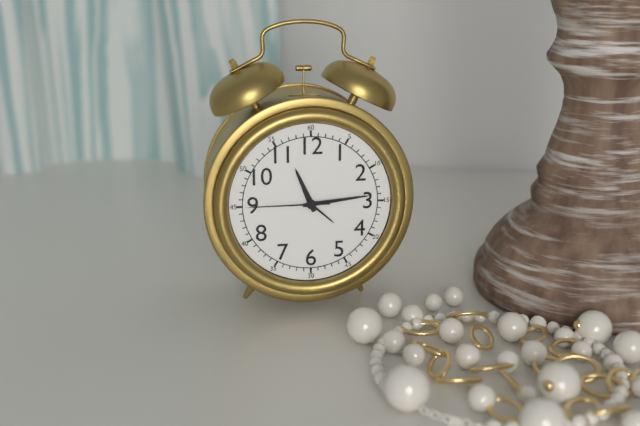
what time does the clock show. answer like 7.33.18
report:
11.14.45
